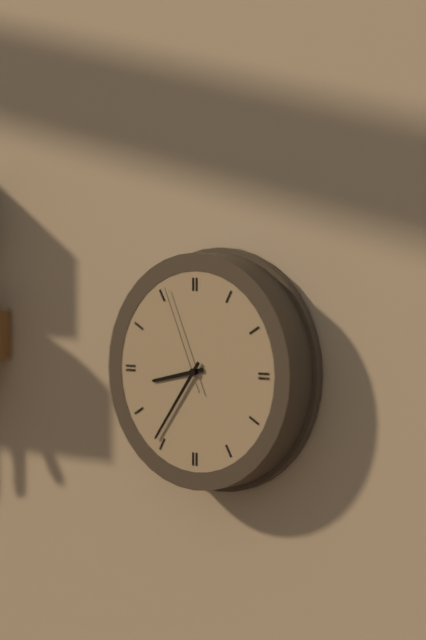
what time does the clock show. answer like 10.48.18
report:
8.36.56
